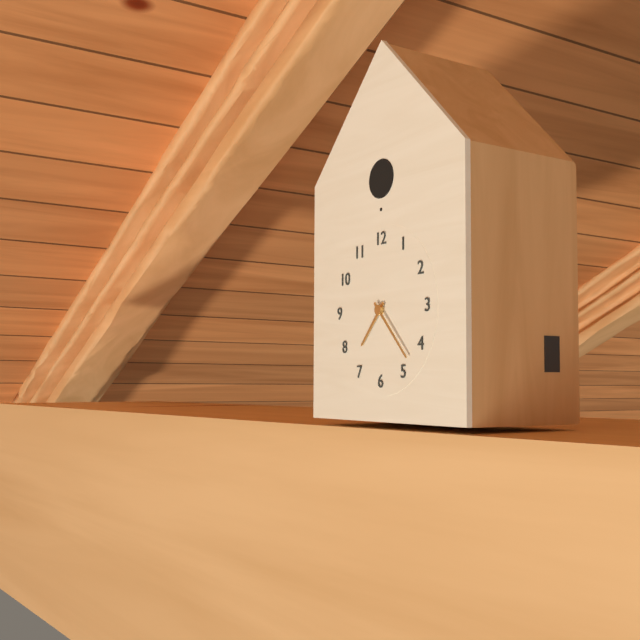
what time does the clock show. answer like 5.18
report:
7.23
